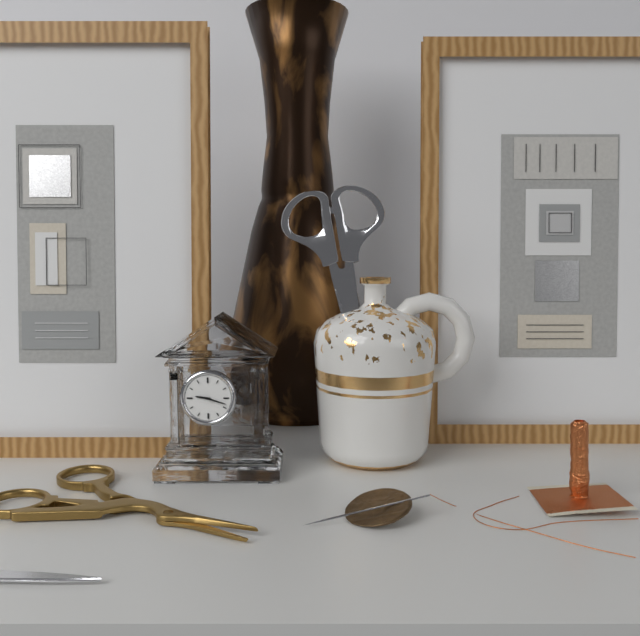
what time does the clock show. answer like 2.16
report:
9.18
